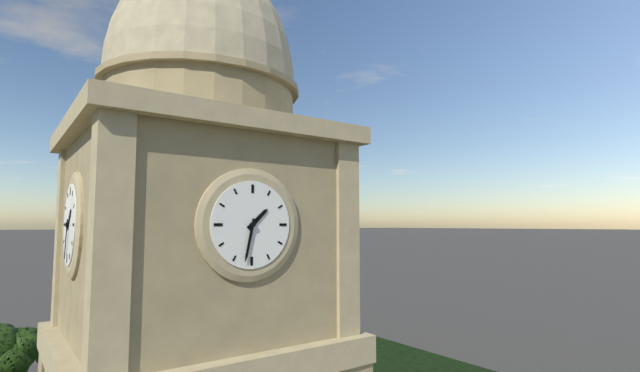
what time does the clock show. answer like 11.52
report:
1.32
